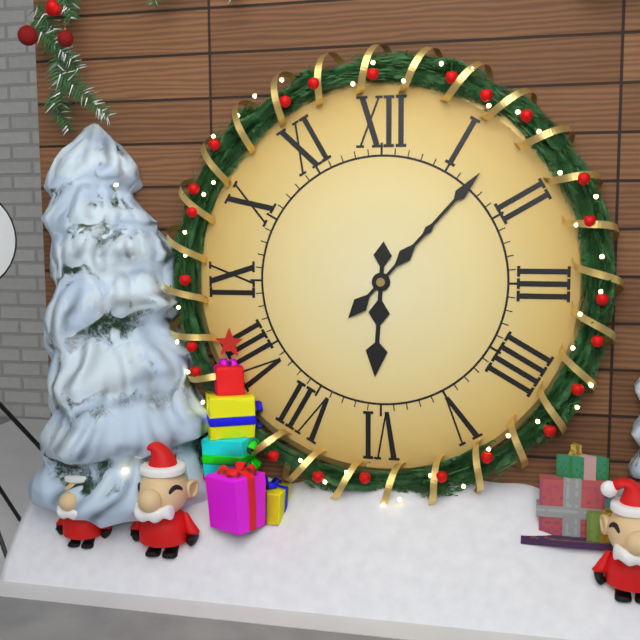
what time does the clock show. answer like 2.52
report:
6.07
